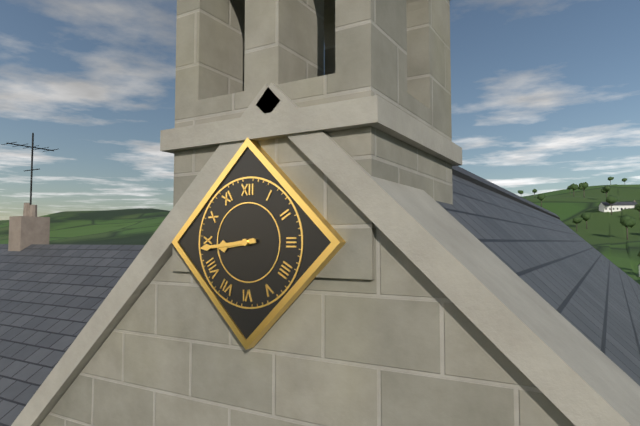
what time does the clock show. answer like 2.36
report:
8.44
